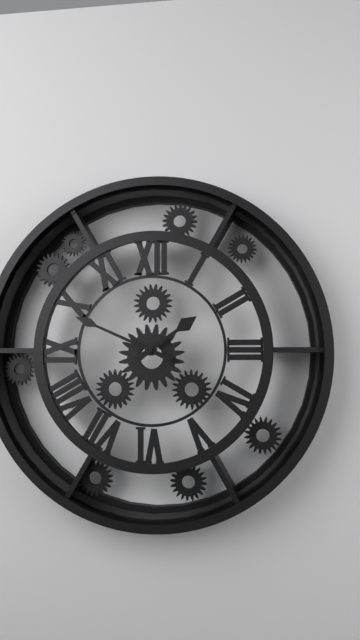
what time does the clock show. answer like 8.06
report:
1.49
